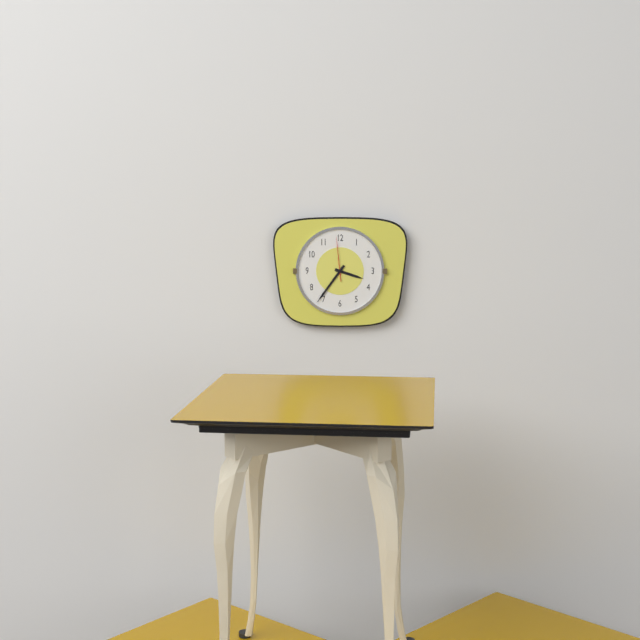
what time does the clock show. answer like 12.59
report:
3.36
